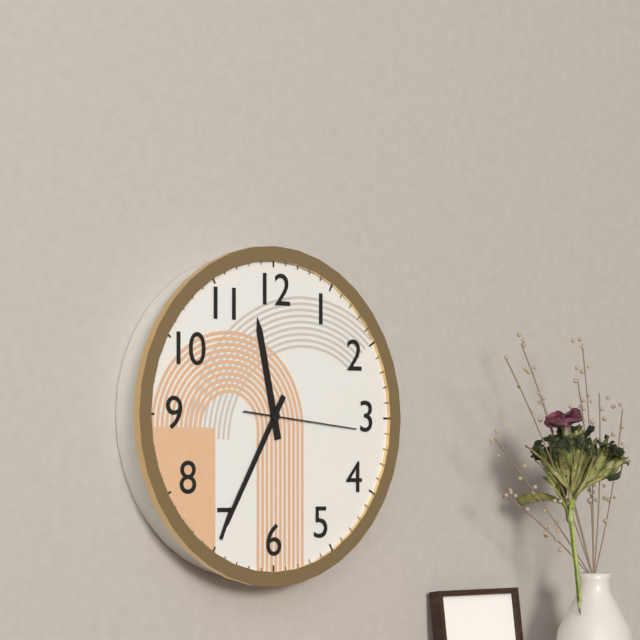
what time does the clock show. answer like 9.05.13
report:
11.35.16
